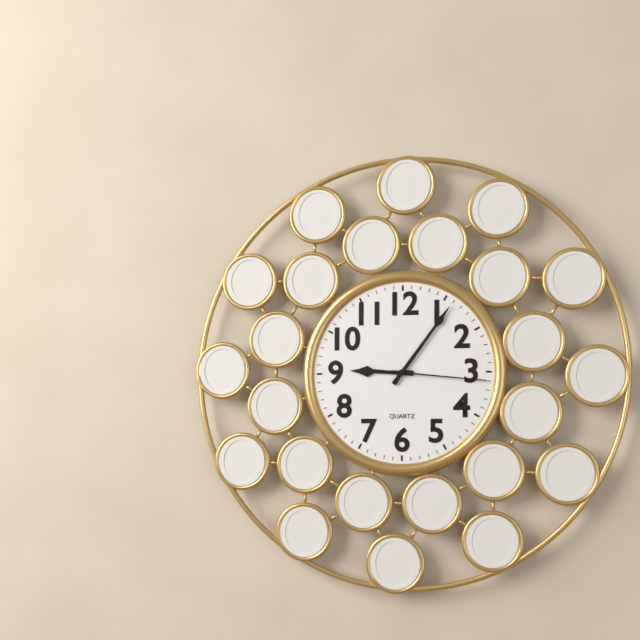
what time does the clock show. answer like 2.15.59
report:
9.06.16
